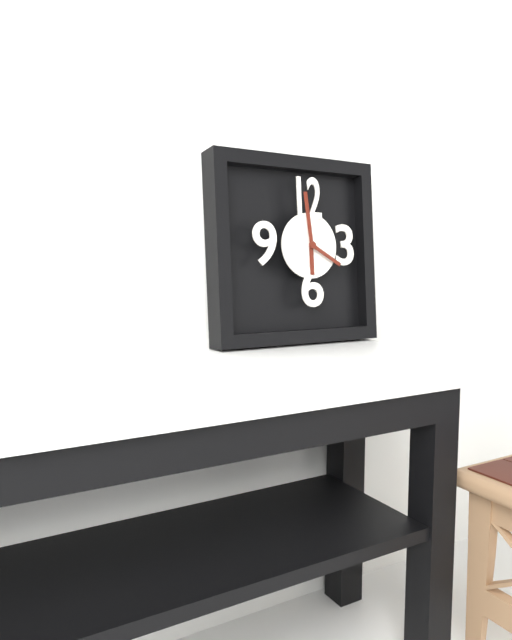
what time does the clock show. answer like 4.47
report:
5.59
